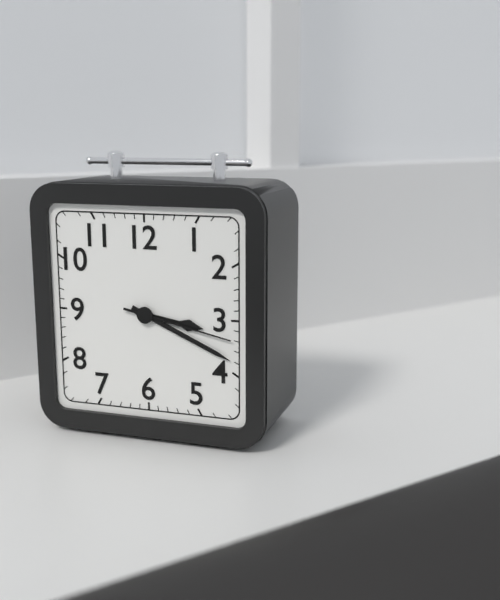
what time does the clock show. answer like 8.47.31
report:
3.19.17
